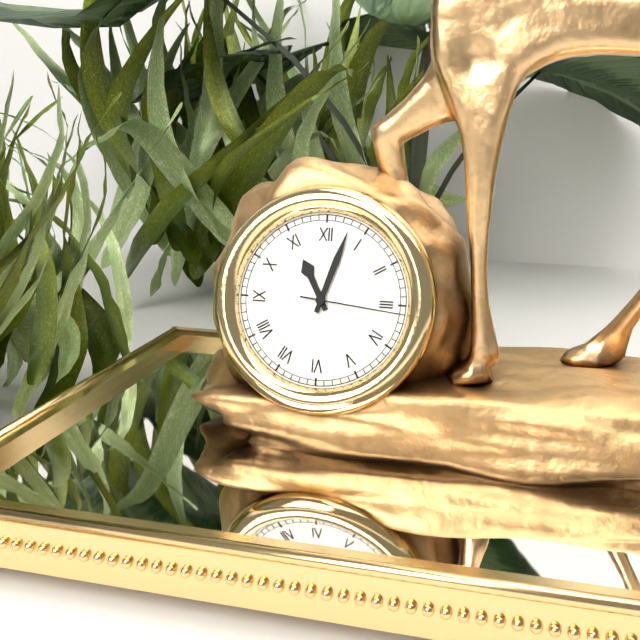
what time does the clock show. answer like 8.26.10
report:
11.03.16
